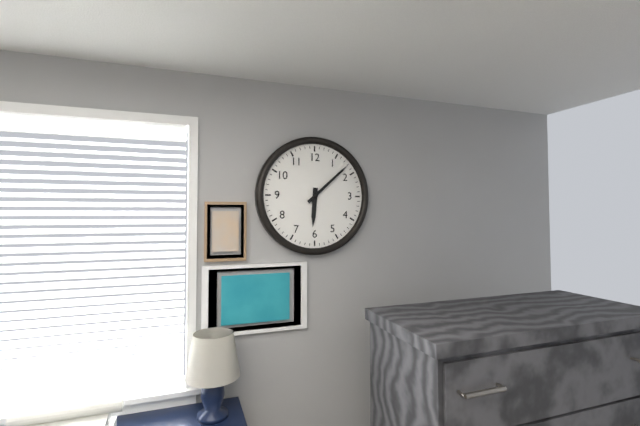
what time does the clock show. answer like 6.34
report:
6.08
